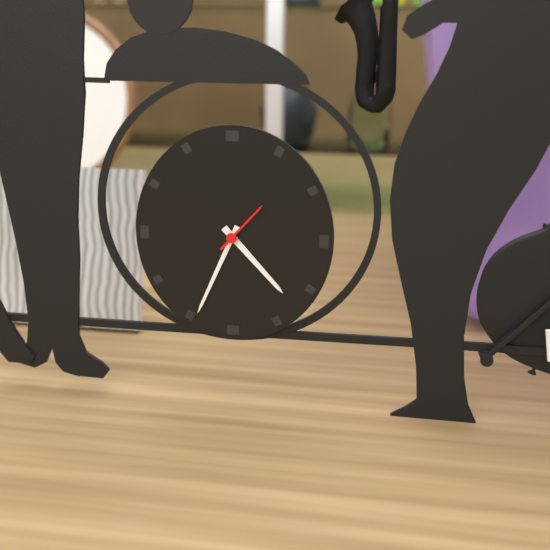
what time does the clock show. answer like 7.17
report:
4.34
